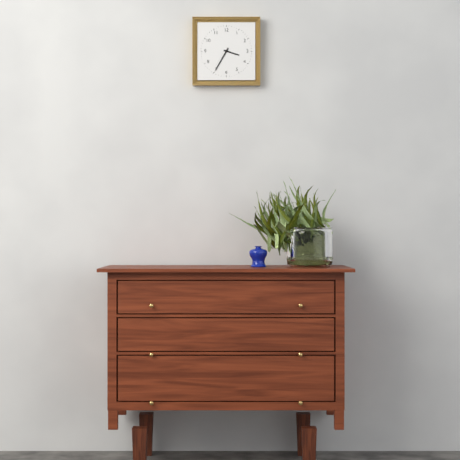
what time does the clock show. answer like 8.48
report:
3.35
